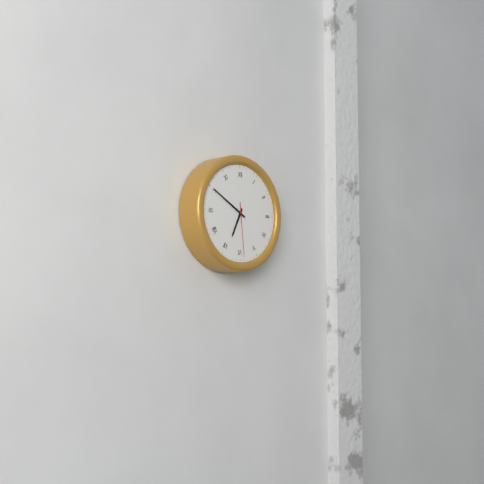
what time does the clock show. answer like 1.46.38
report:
6.50.29
